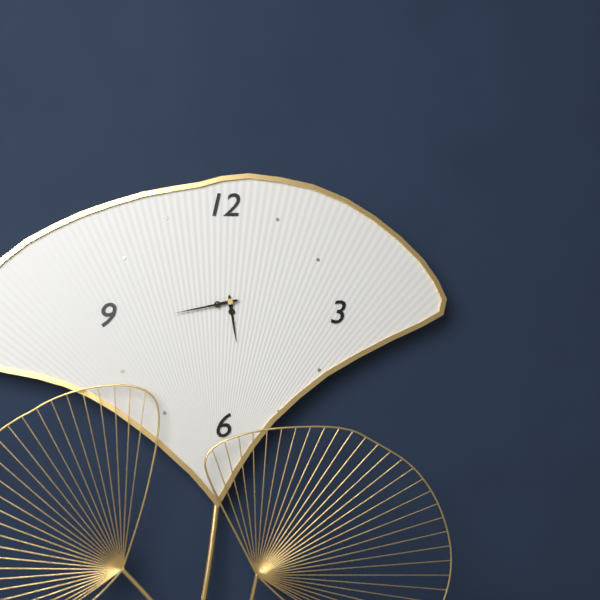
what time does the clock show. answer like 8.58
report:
5.43
